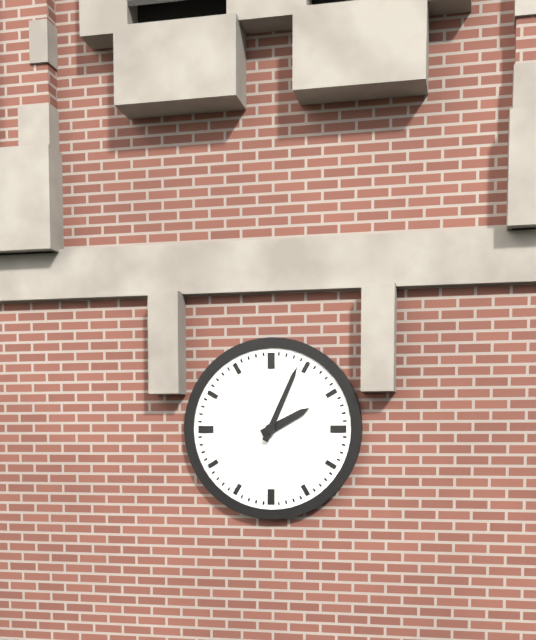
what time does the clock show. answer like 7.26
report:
2.04
